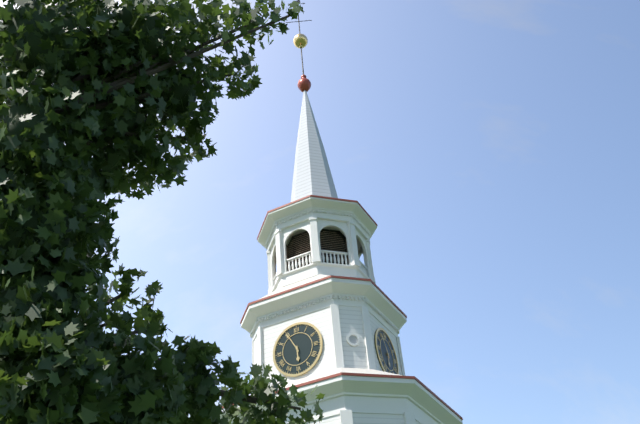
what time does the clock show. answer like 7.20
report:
5.55
